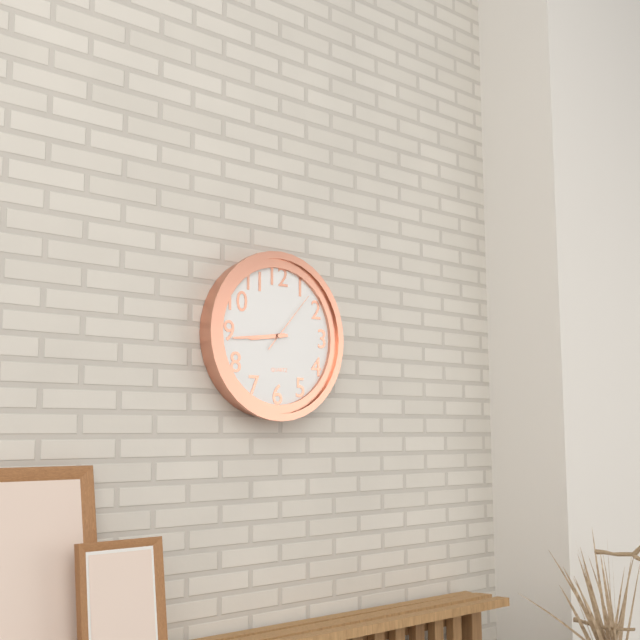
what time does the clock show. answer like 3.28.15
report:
8.44.07
